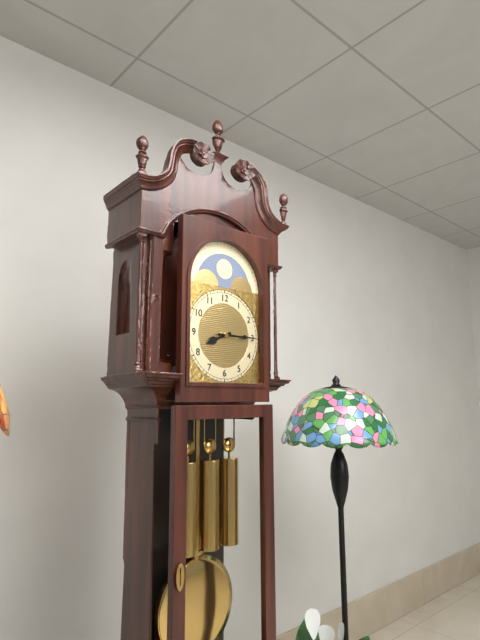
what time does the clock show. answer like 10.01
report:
8.15
